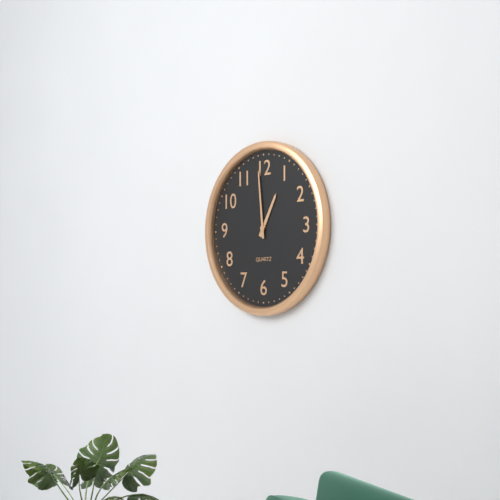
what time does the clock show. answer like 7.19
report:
12.59
